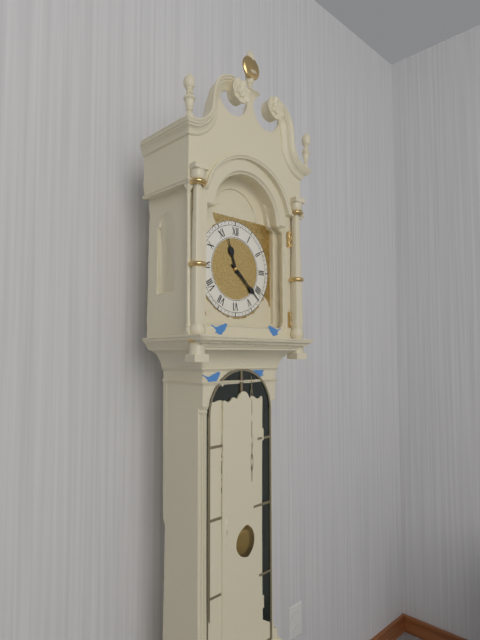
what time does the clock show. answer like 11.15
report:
11.22
